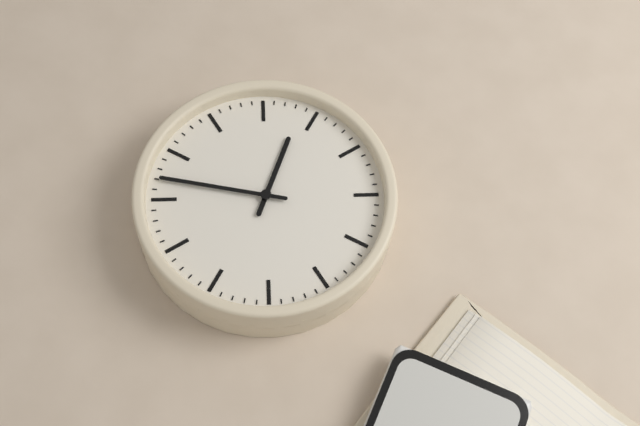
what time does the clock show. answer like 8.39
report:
11.42
